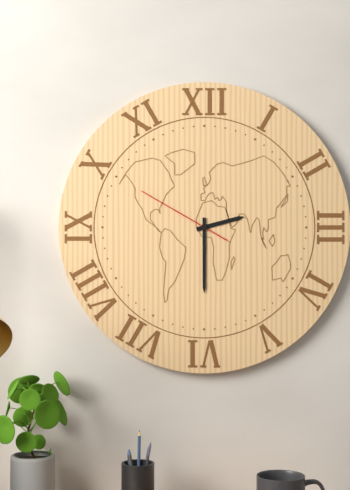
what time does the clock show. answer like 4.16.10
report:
2.30.50
